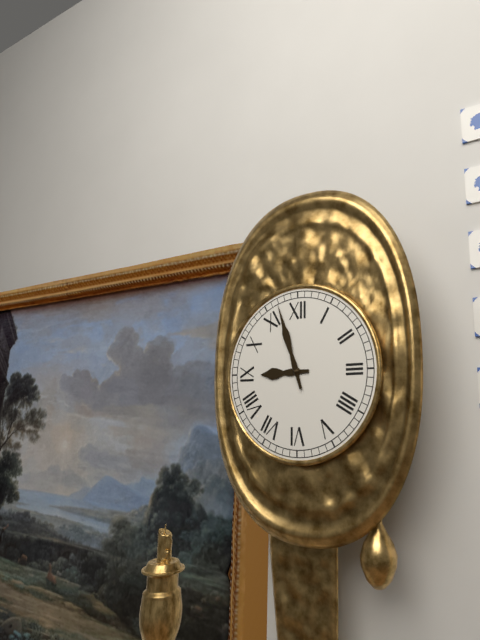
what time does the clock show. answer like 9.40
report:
8.57
